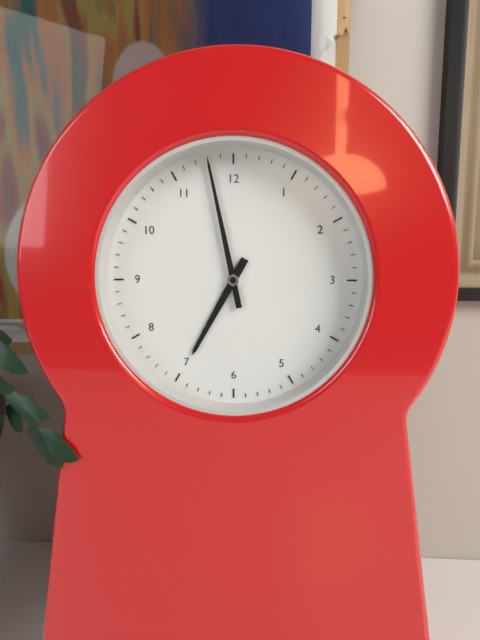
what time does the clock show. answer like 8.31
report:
6.58
